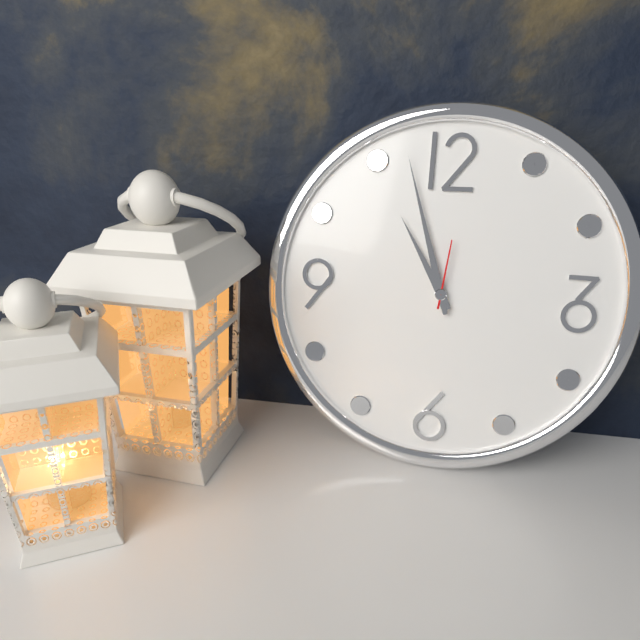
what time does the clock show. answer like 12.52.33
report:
10.57.01
